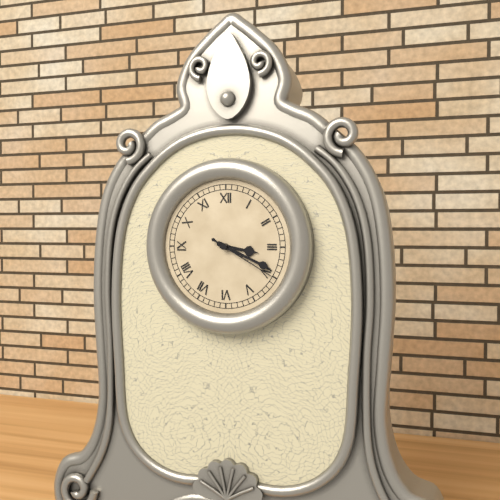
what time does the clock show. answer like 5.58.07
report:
3.19.20
